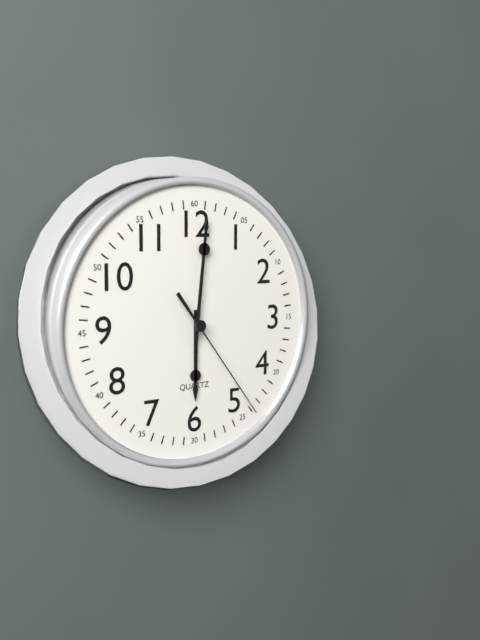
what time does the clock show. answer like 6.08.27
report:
6.01.24
